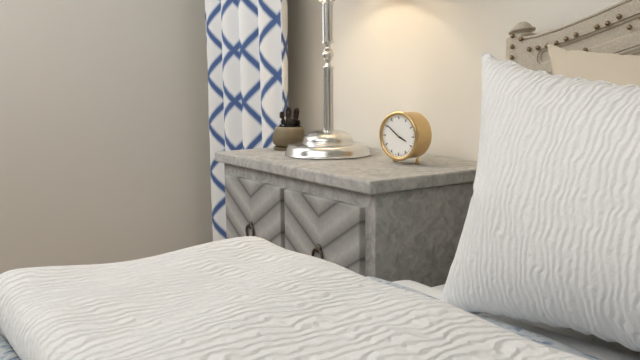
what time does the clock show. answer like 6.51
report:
3.51
